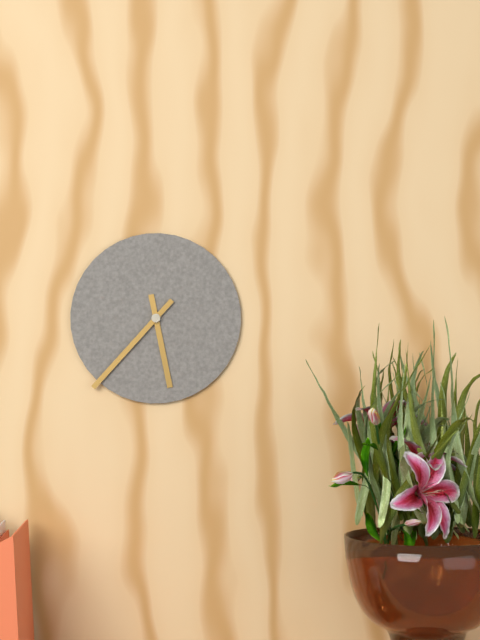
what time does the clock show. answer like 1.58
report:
5.37
